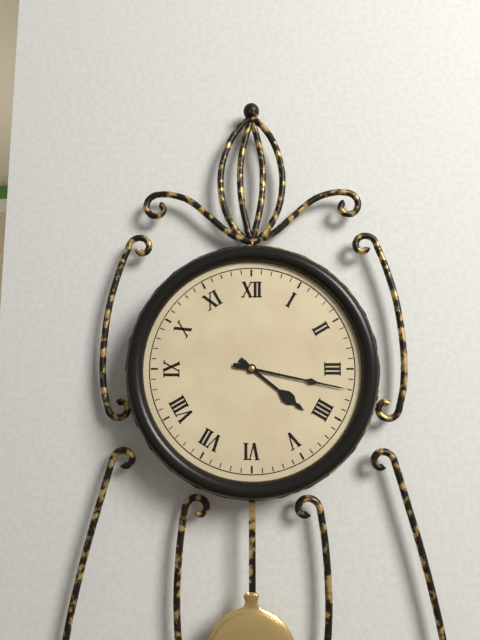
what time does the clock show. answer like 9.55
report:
4.17
